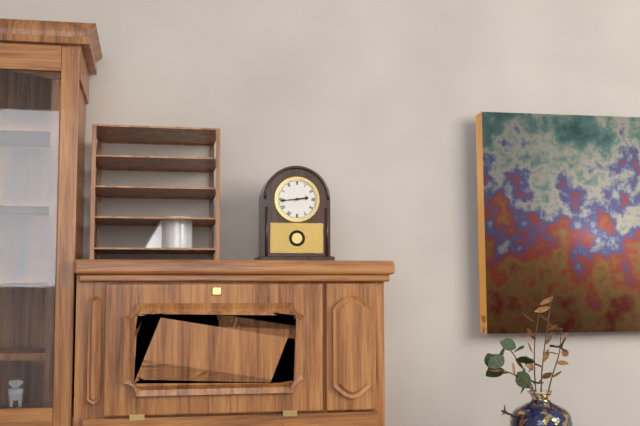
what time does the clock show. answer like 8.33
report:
2.44
